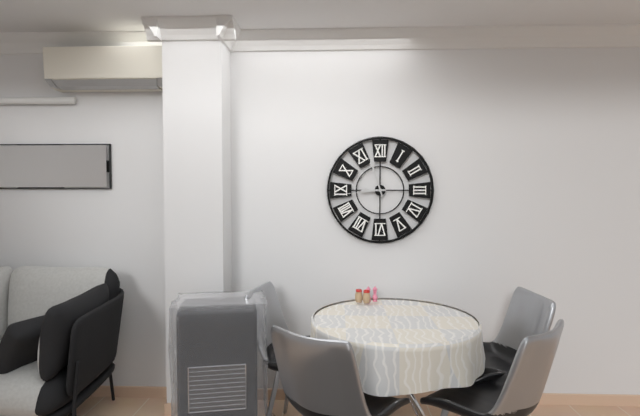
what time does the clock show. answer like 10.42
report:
8.57
